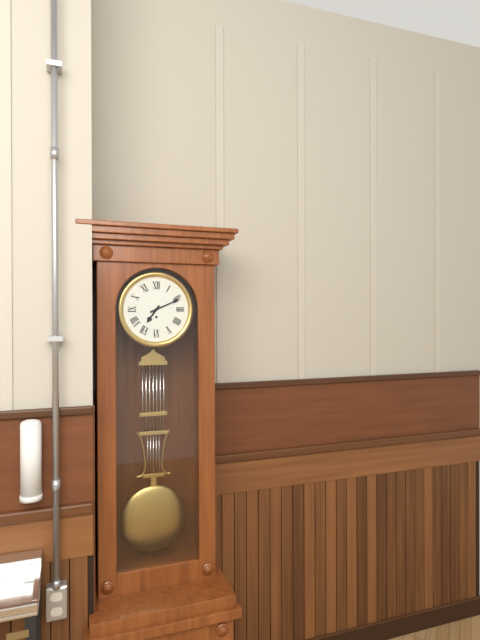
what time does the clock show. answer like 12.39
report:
7.11
